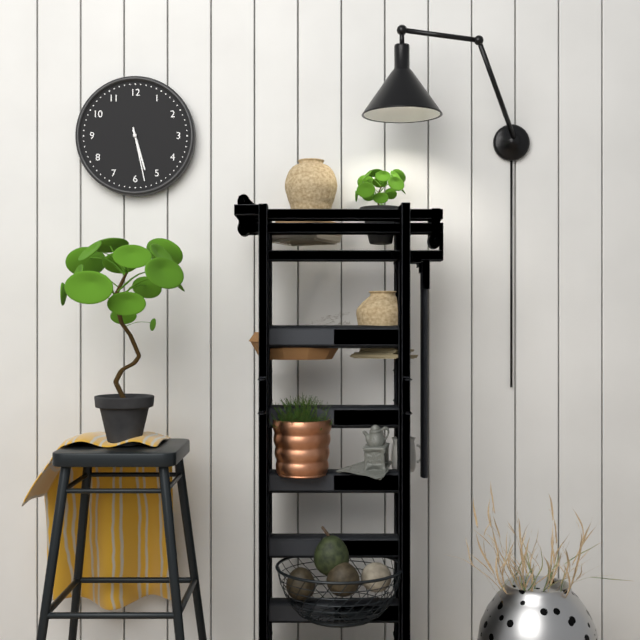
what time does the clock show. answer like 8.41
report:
5.28
